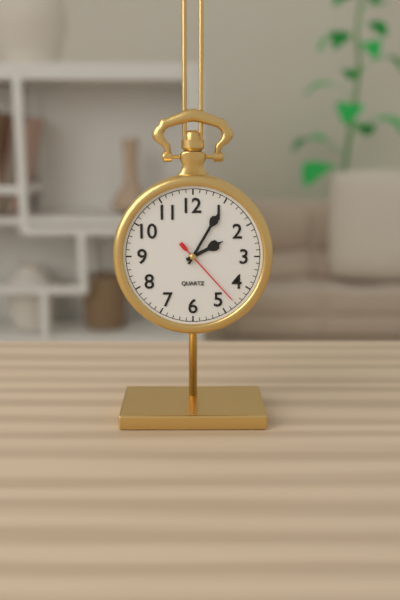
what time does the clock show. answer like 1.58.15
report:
2.05.23
